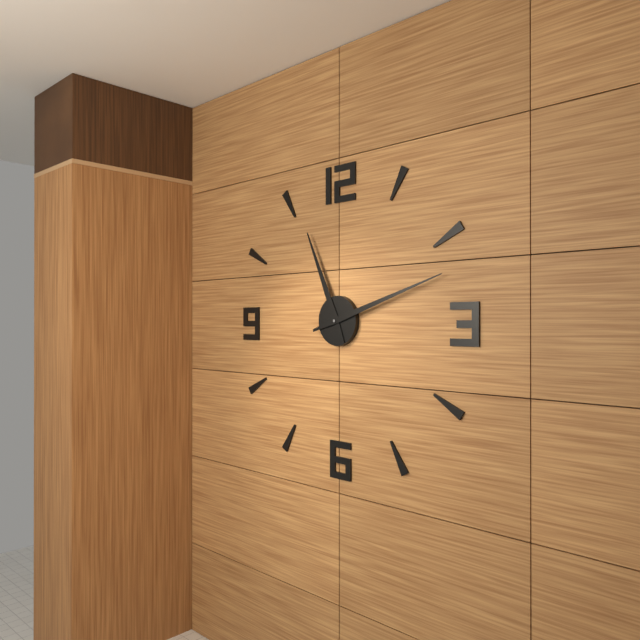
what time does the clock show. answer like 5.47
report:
11.12
